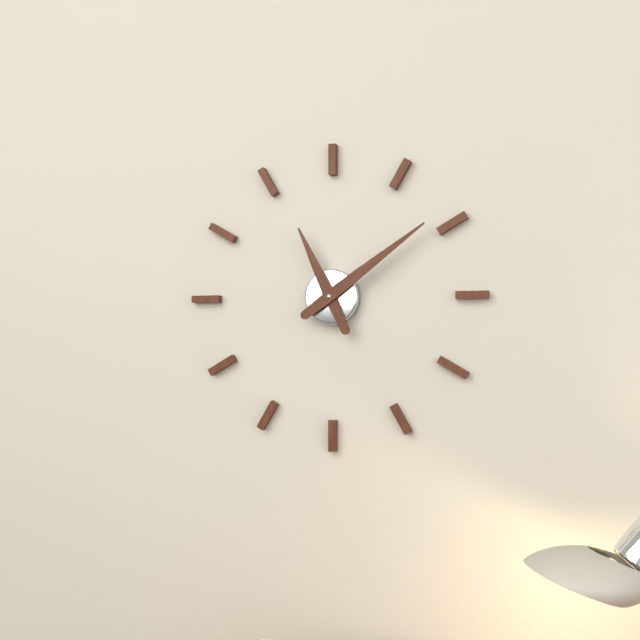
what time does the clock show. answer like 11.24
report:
11.09
